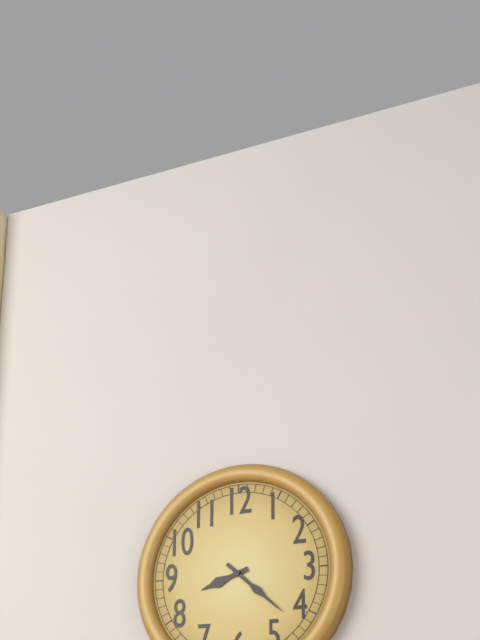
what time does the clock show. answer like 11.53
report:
8.22
